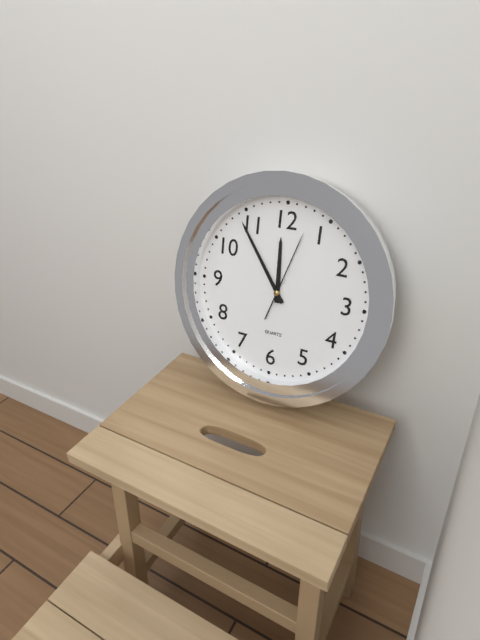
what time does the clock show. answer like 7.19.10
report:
11.54.03
